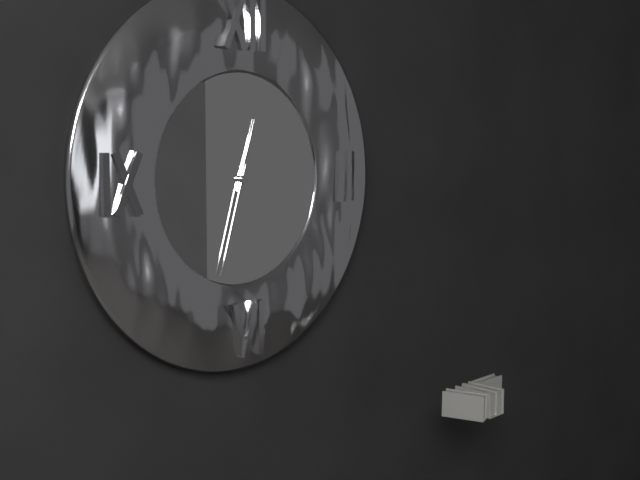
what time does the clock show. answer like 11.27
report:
12.33
